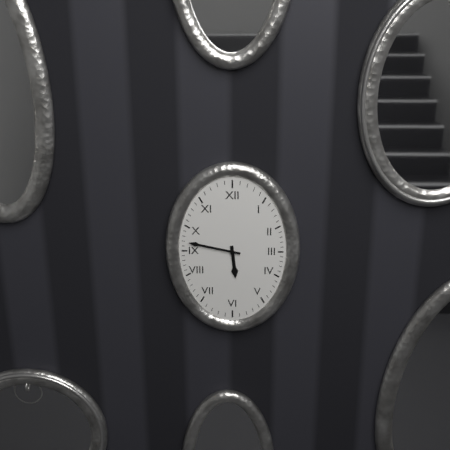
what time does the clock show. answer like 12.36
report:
5.47
